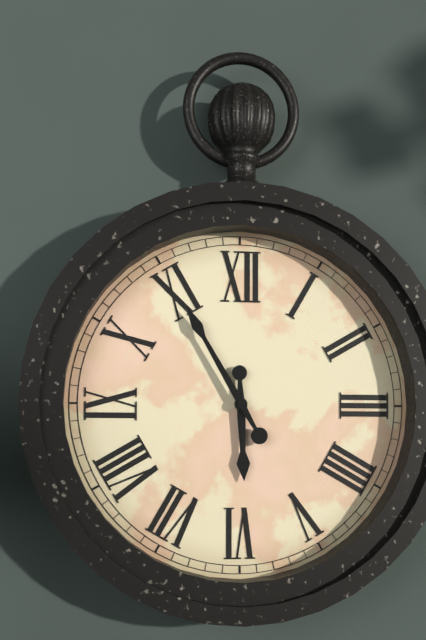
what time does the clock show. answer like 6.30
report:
5.55
